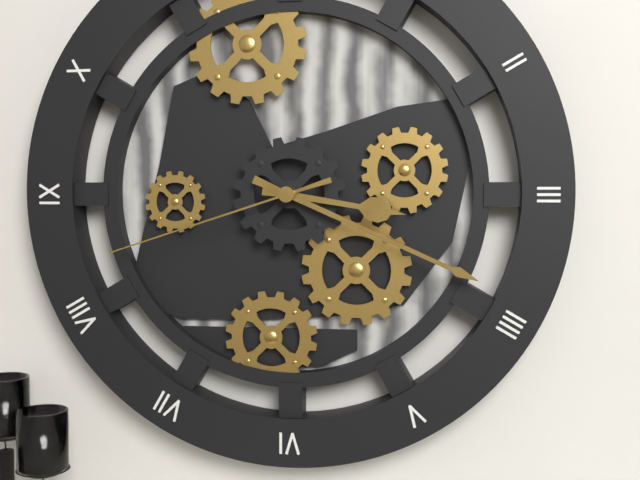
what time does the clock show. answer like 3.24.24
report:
3.19.42
